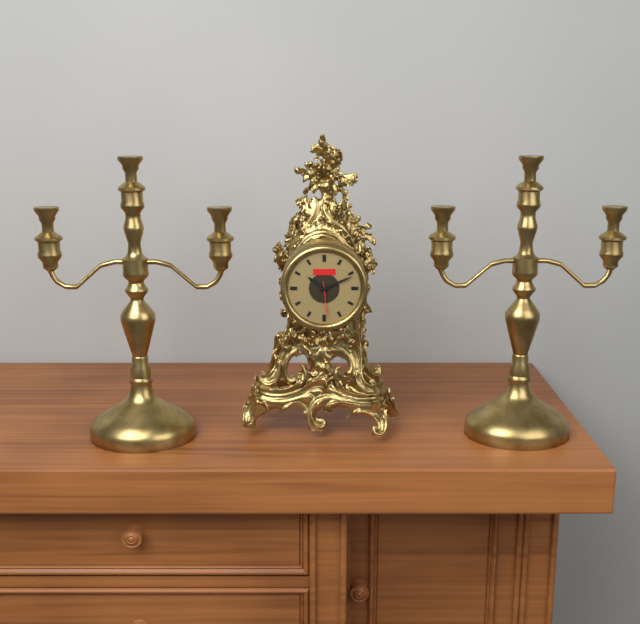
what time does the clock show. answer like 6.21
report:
10.11
